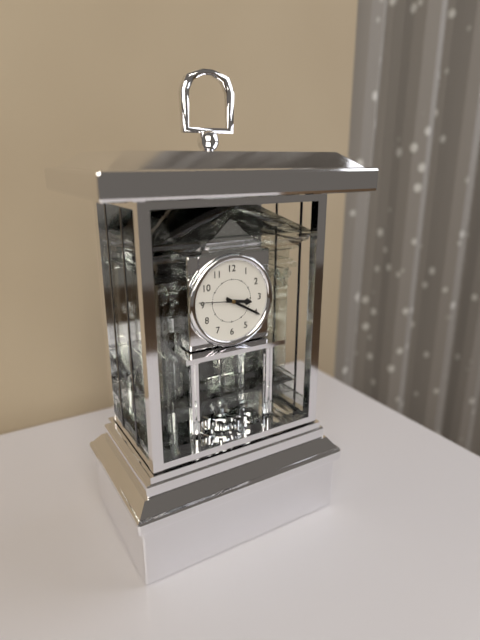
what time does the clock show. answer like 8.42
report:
3.20
